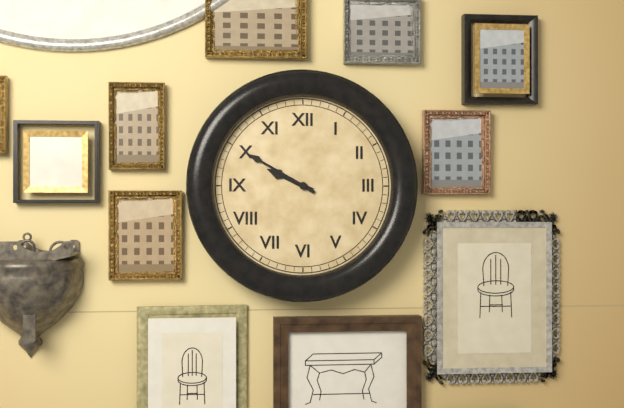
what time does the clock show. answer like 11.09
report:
9.50
